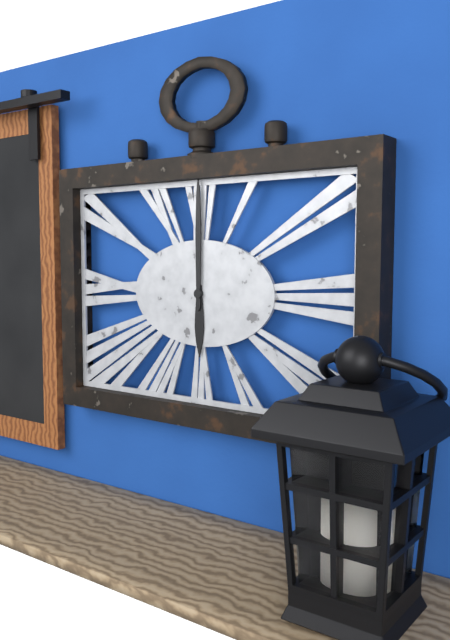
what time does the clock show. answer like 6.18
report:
6.00
